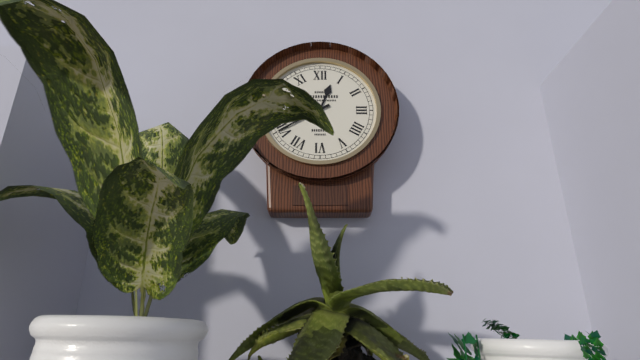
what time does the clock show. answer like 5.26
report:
12.40
